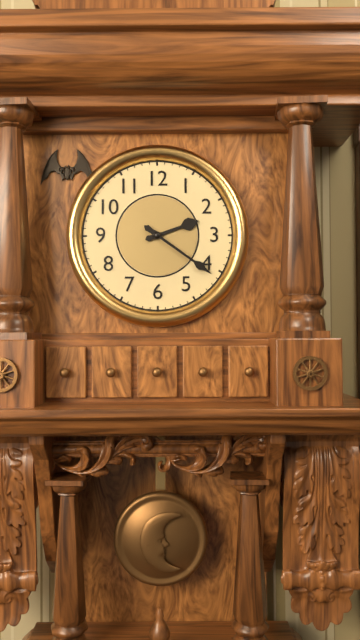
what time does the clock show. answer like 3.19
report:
2.21
